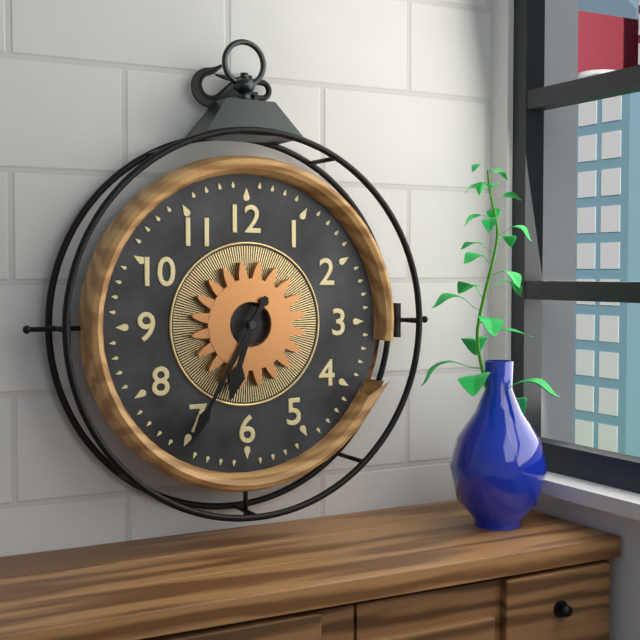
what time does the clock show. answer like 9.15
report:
6.35
